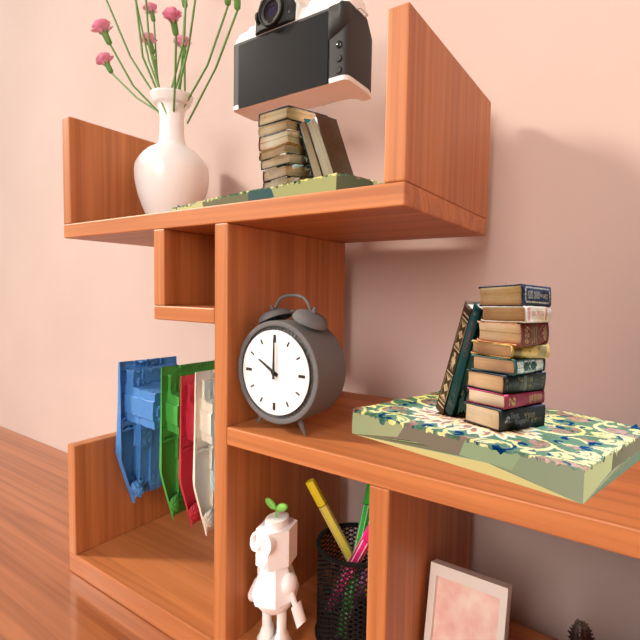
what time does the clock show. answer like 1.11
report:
10.00
